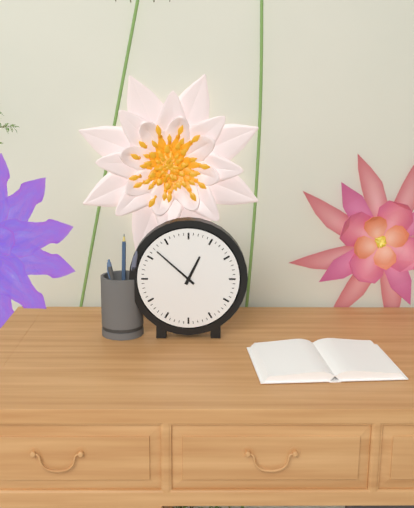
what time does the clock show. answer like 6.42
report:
12.52
